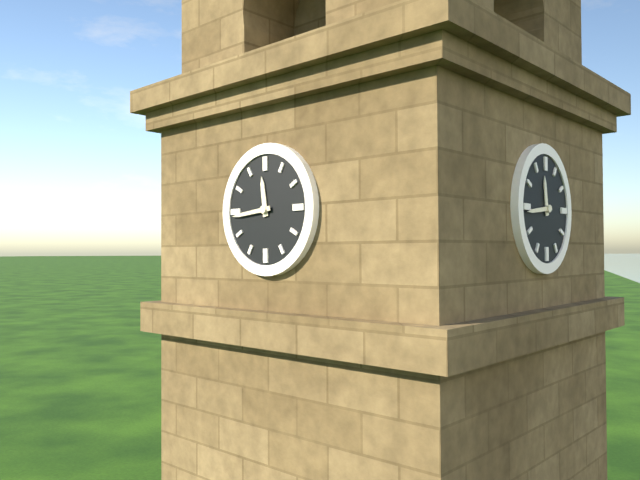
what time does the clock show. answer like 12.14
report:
11.44
